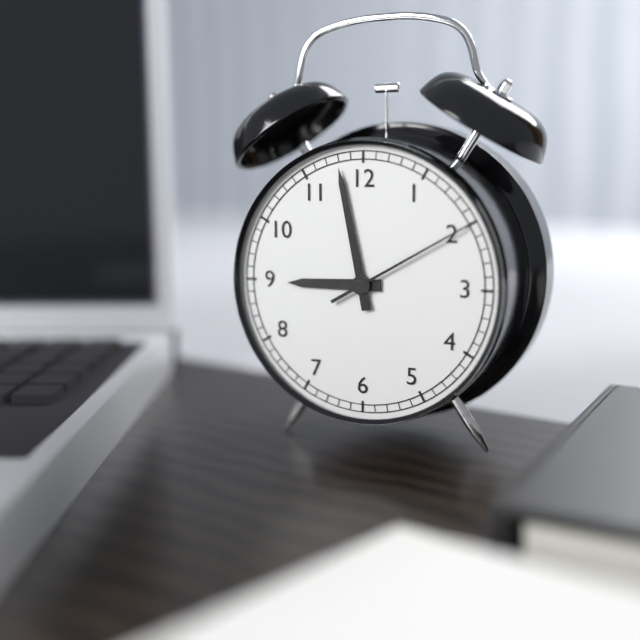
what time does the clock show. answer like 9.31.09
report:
8.58.10
